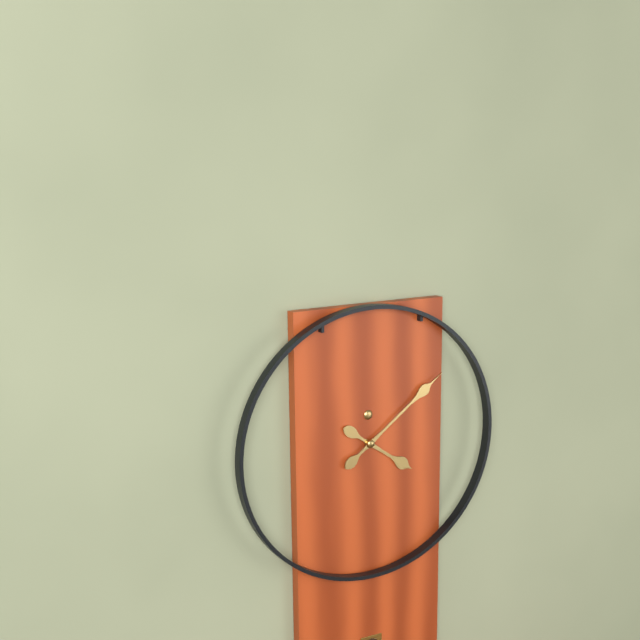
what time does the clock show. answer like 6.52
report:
4.09
